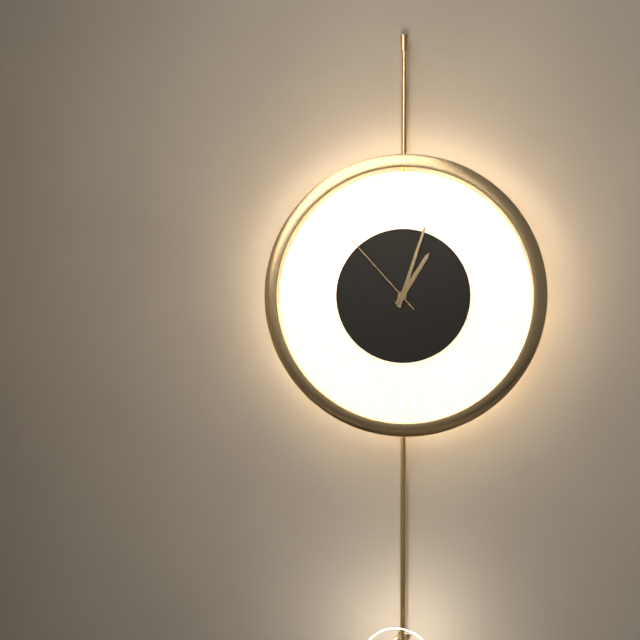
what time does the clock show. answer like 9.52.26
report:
1.03.53
